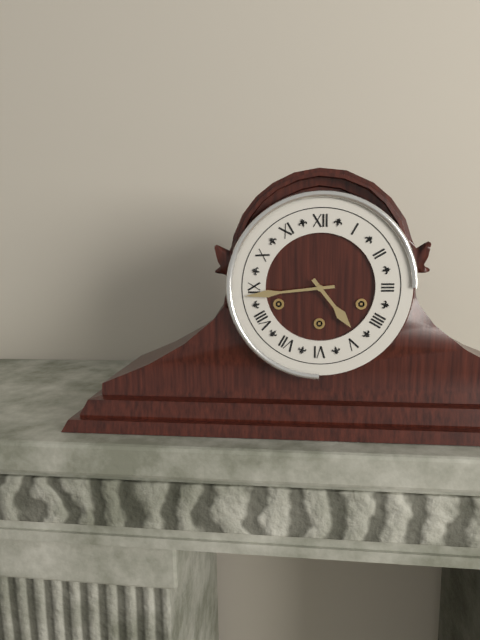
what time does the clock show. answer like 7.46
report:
4.44
